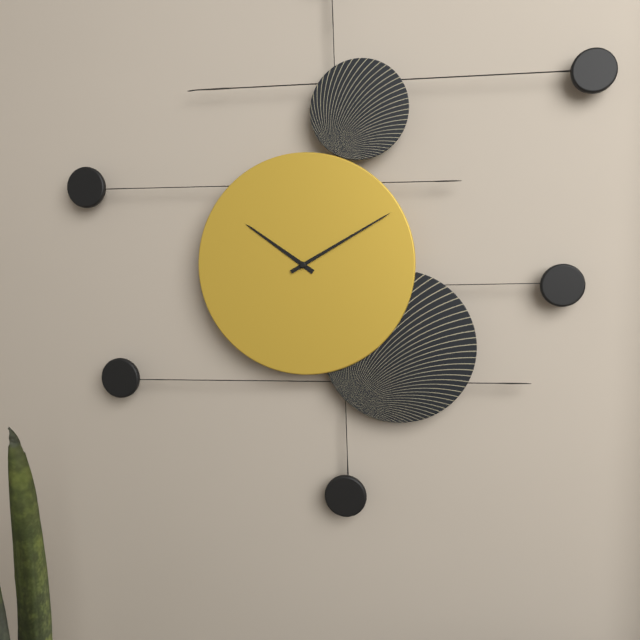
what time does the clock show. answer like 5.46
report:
10.10
